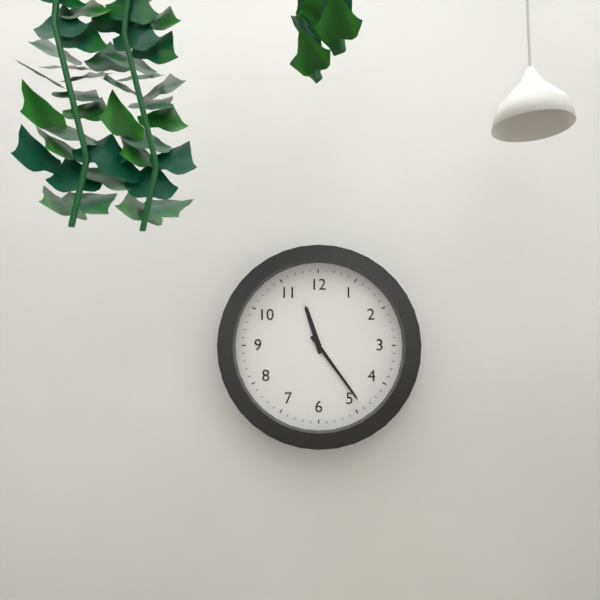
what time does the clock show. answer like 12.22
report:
11.24
